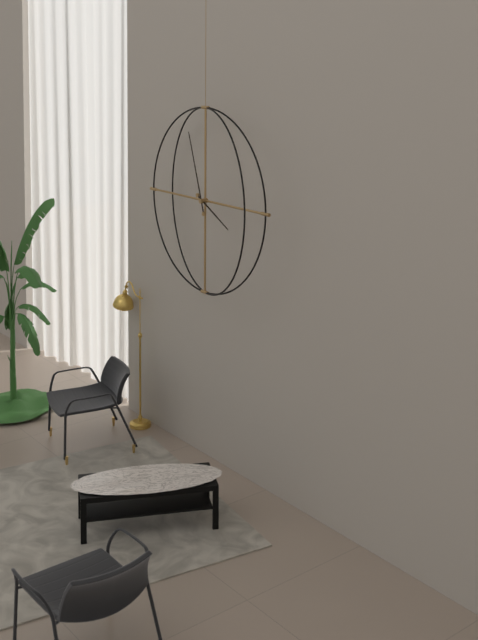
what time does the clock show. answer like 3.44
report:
3.57
